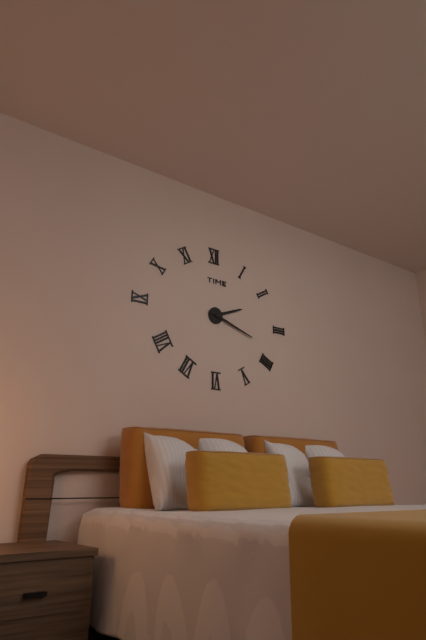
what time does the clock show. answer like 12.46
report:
2.18
